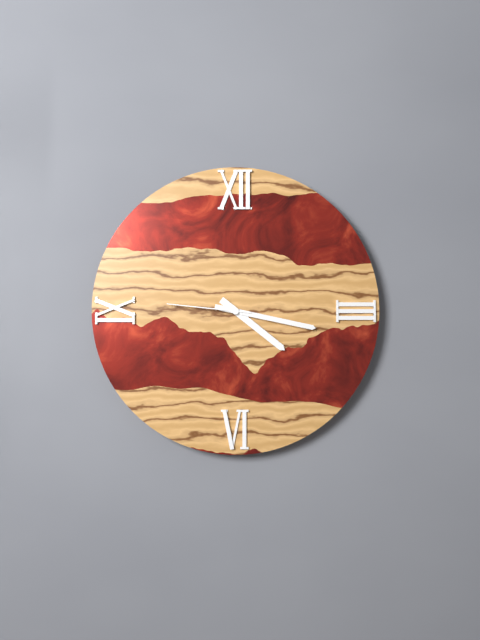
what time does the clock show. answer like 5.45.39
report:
4.17.46
